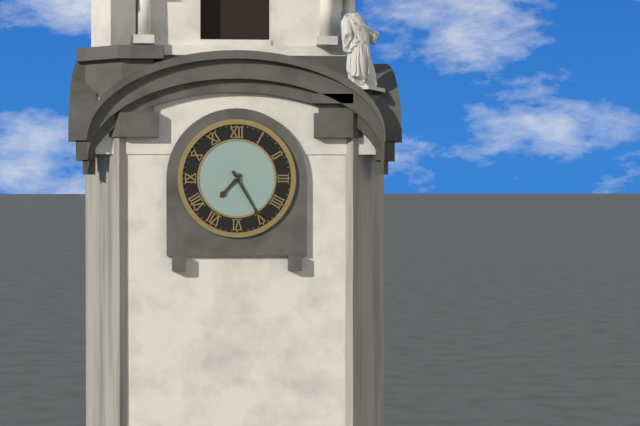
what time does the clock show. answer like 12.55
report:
7.25
